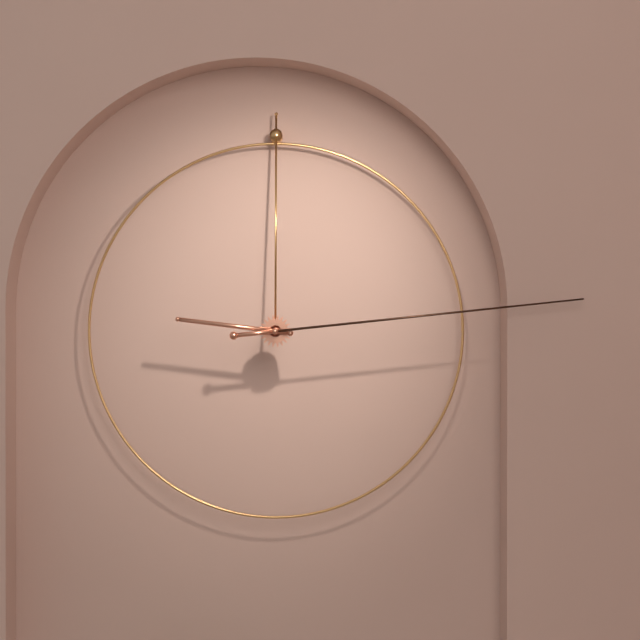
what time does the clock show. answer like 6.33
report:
9.14
